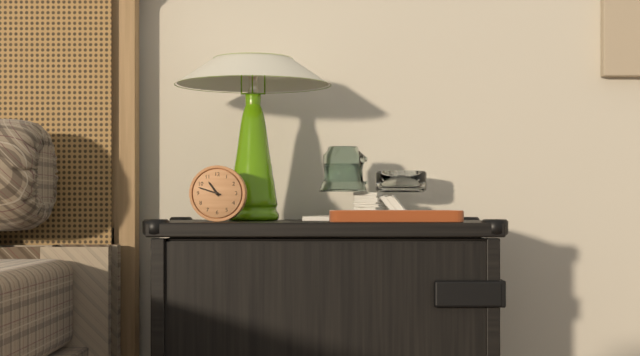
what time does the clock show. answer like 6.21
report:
10.48
